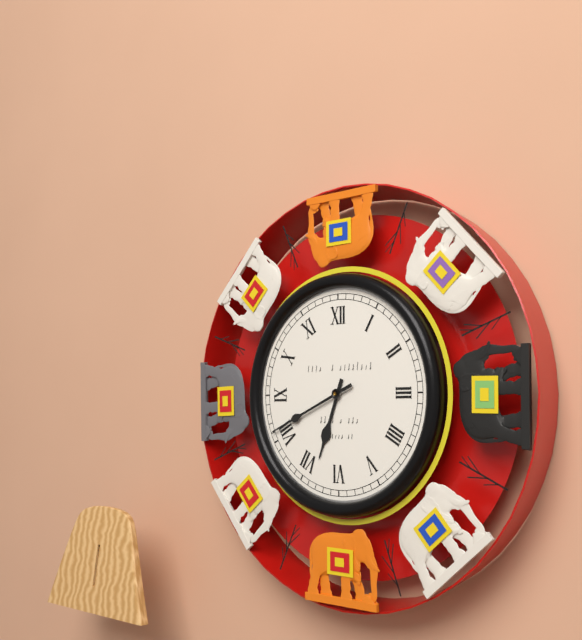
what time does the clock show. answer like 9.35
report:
6.41
